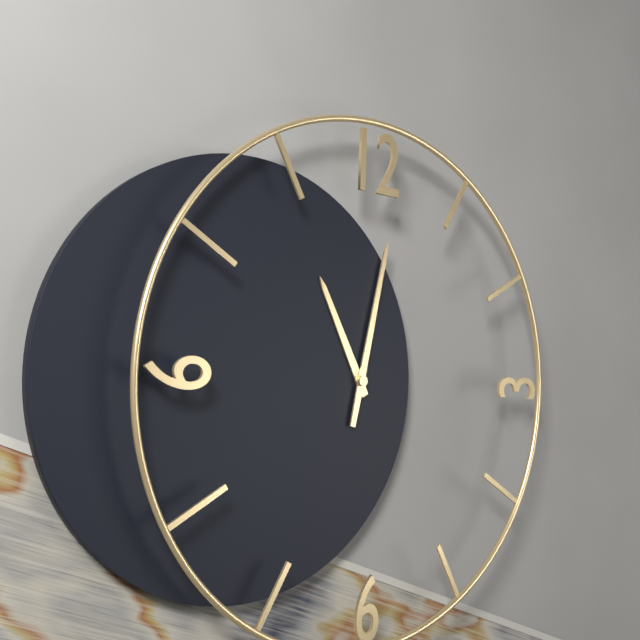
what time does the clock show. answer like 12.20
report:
11.02
